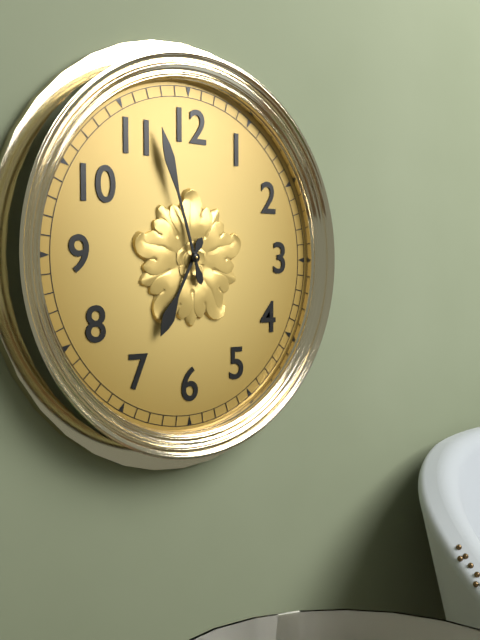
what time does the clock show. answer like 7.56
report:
6.57
